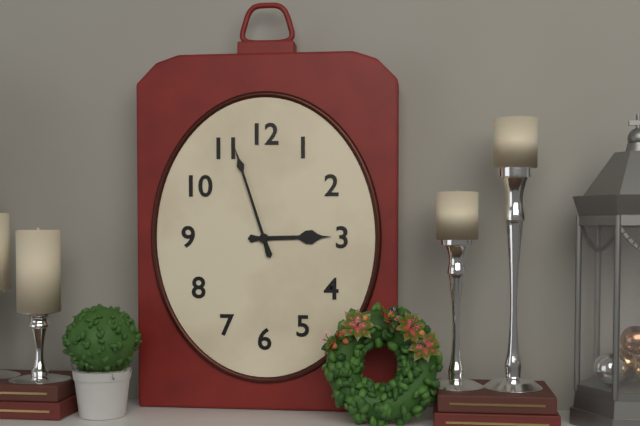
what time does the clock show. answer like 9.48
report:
2.57
